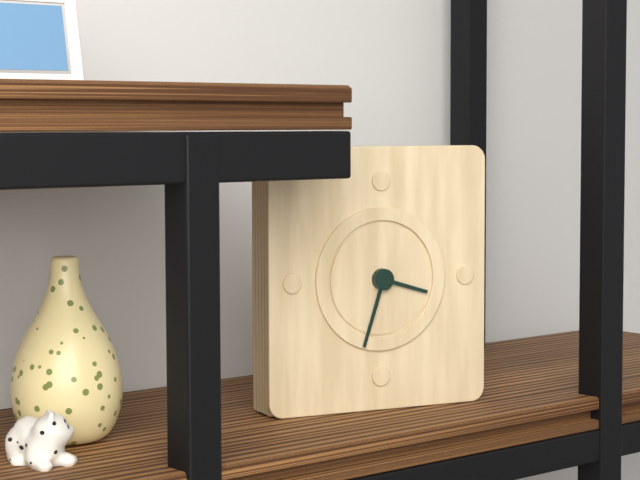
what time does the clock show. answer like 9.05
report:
3.33
